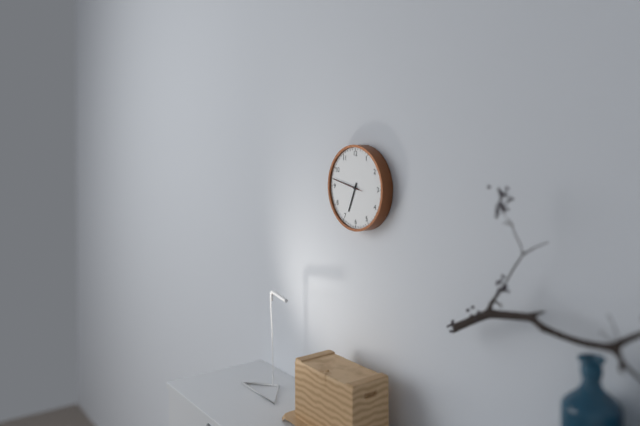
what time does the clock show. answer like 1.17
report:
6.47
